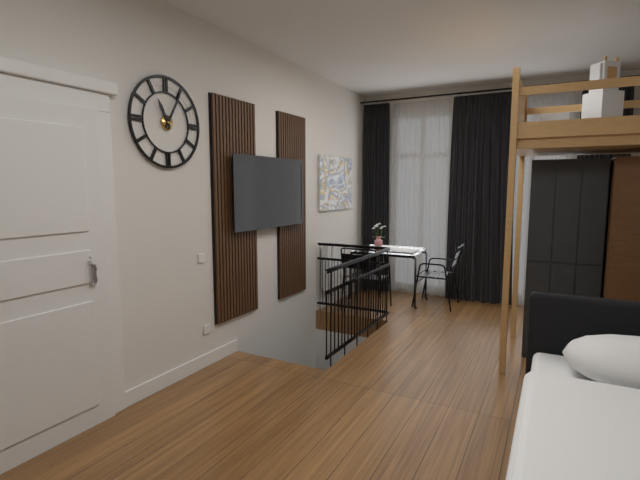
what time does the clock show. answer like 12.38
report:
11.05
